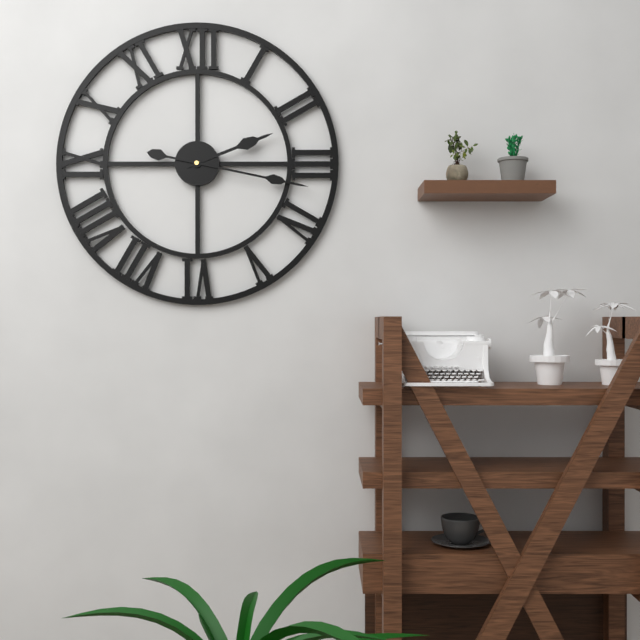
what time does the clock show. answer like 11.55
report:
2.17
